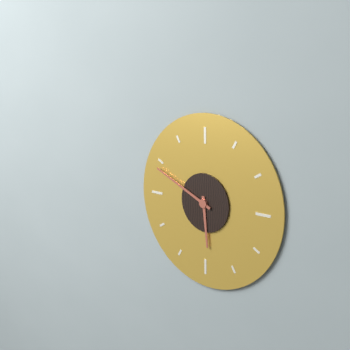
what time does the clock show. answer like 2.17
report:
5.49
